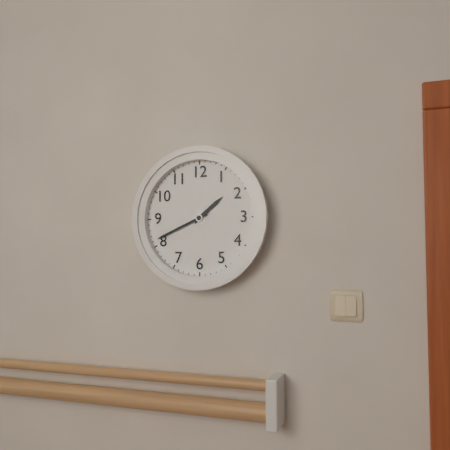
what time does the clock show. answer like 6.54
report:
1.41
